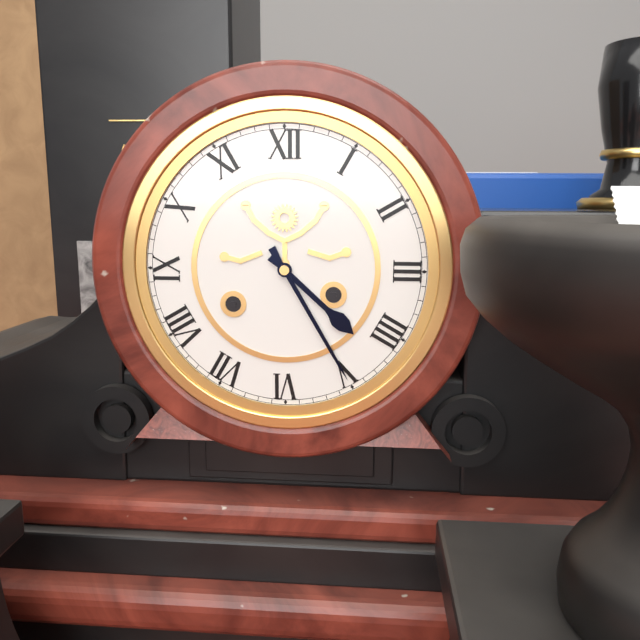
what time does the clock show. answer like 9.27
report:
4.25
